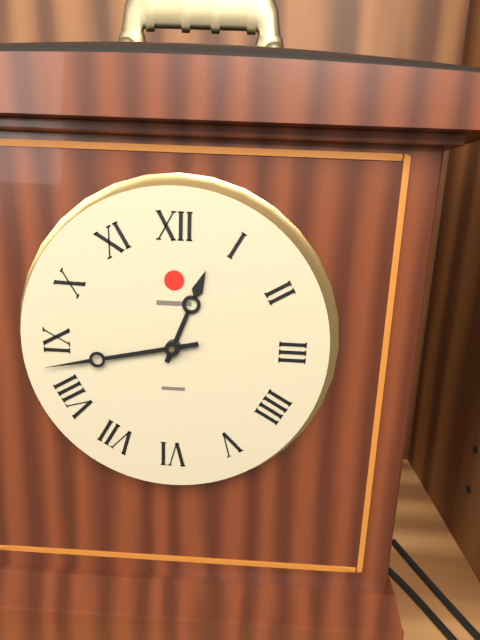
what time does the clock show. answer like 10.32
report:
12.43
